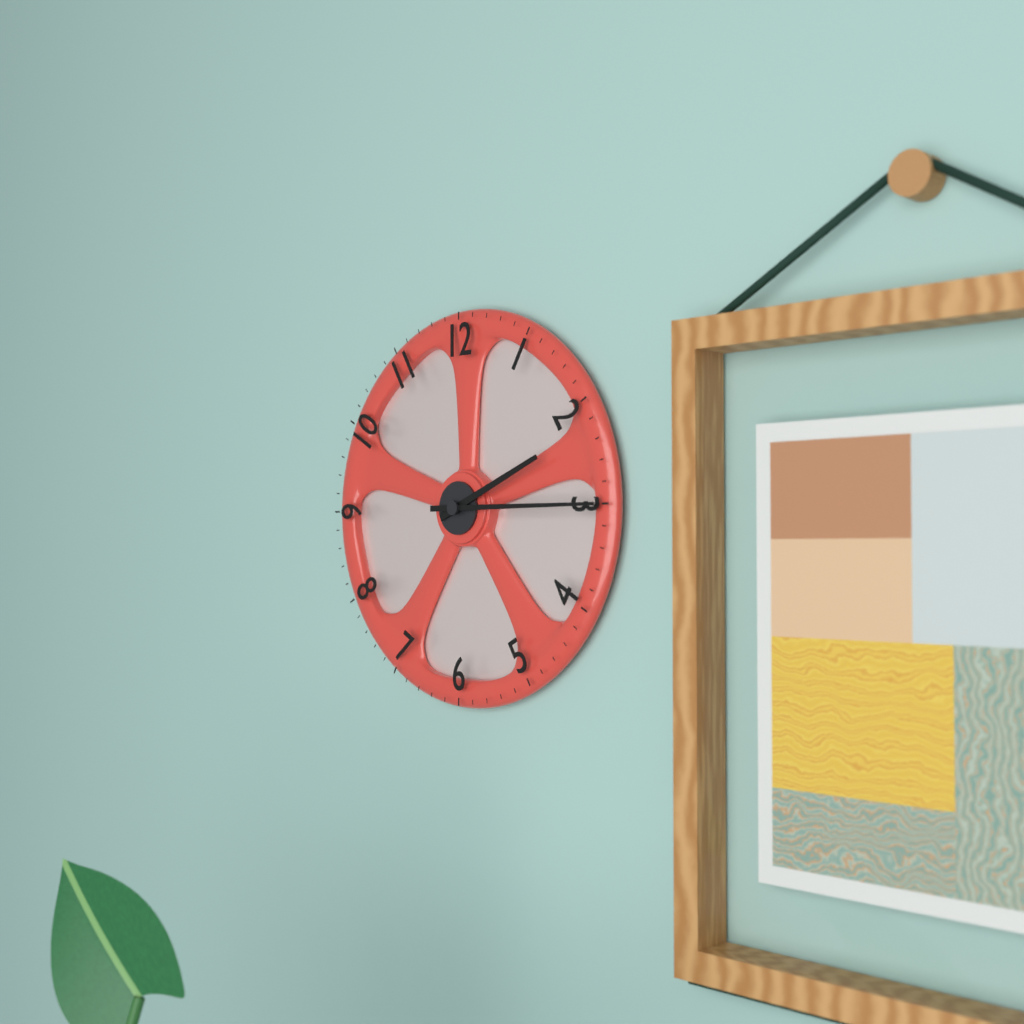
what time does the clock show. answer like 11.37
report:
2.15
